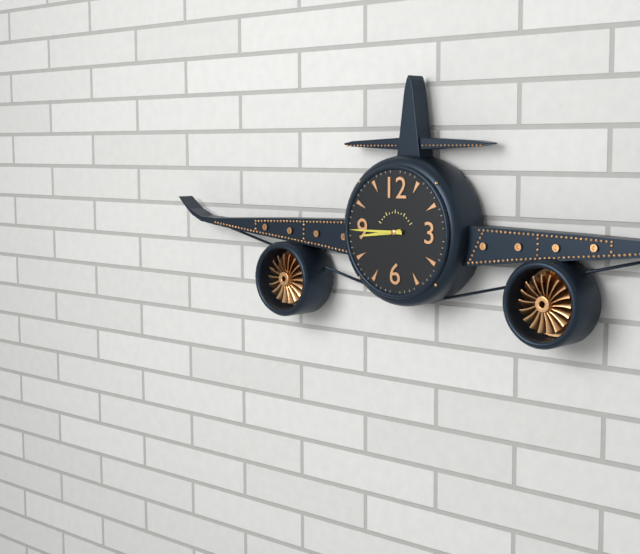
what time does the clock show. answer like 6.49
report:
8.45
